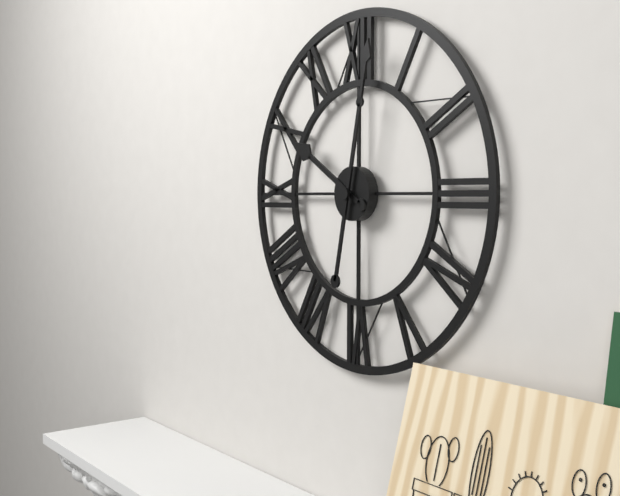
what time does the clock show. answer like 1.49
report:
10.02
